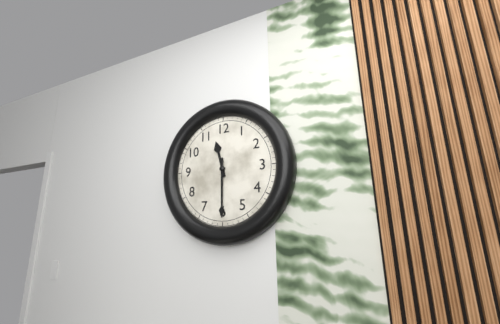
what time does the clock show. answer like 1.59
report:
11.30
